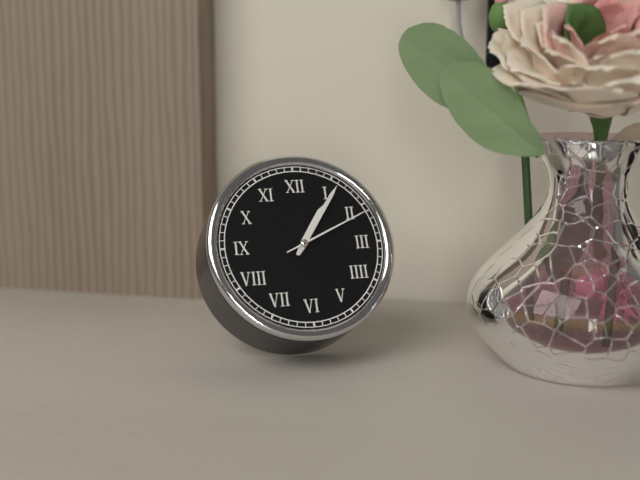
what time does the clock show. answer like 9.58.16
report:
1.06.11
